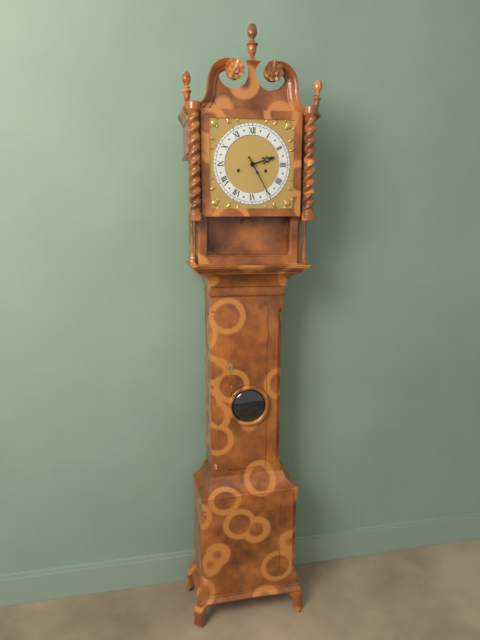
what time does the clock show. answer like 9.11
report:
2.25
